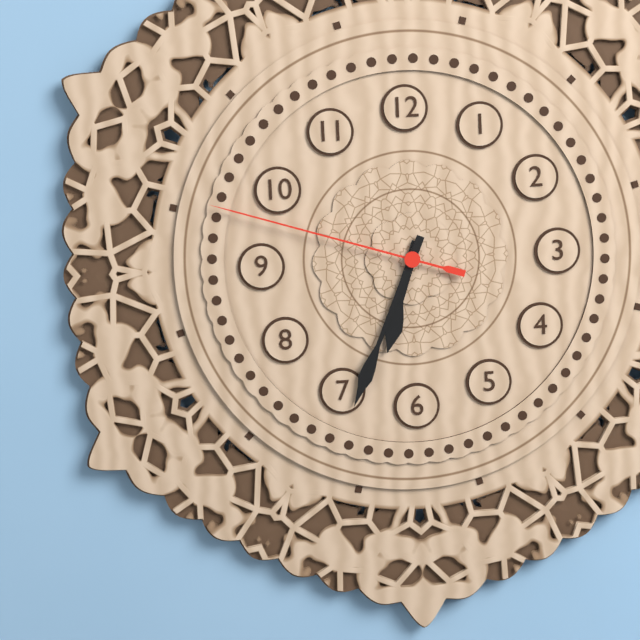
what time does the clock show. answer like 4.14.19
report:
6.34.48
